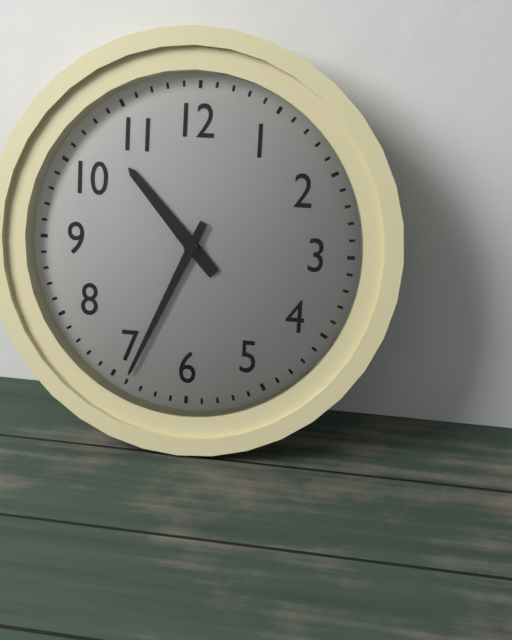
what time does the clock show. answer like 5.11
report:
10.34
